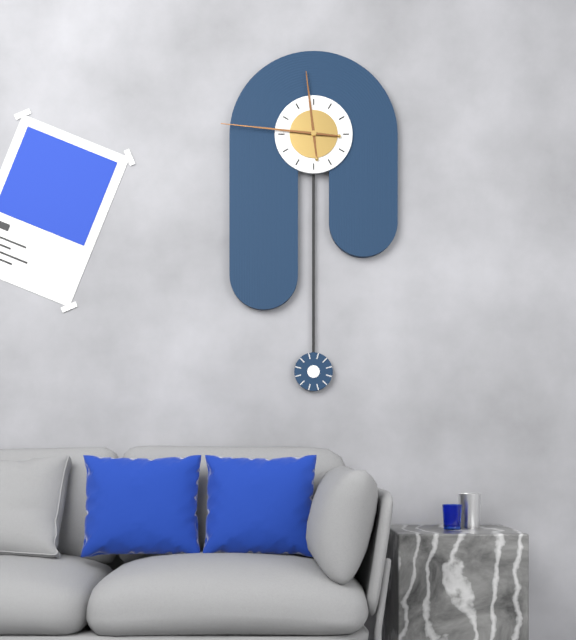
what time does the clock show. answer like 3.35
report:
11.46
